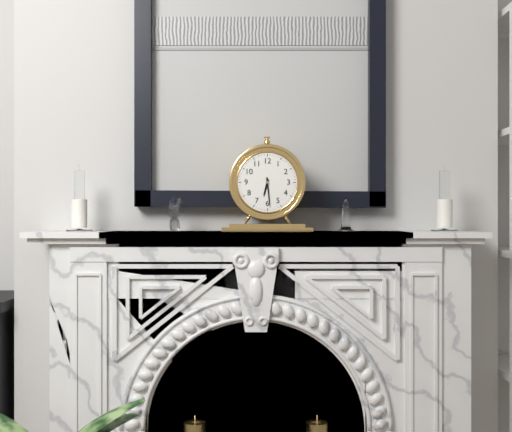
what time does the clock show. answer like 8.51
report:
6.29
